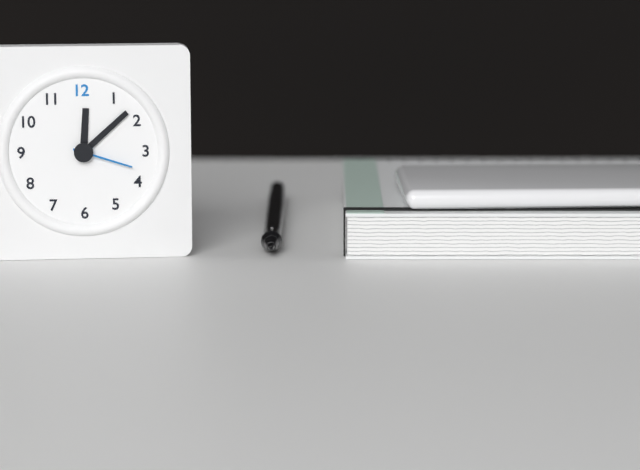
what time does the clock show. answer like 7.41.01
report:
12.08.18
